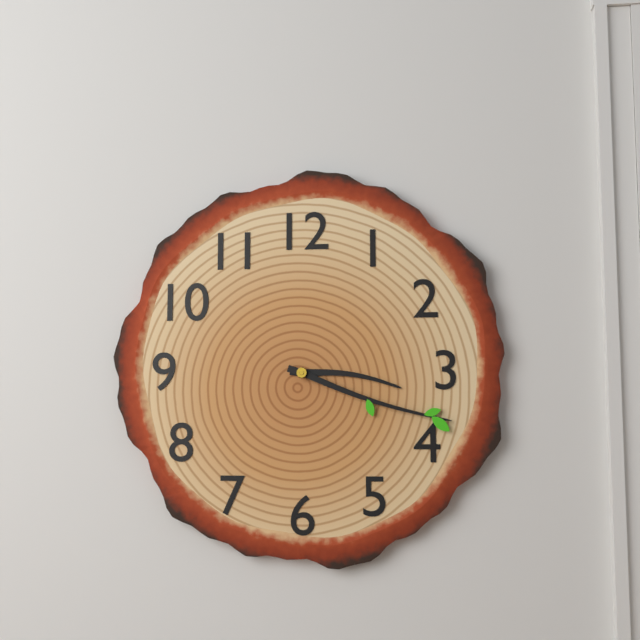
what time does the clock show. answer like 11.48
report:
3.18
